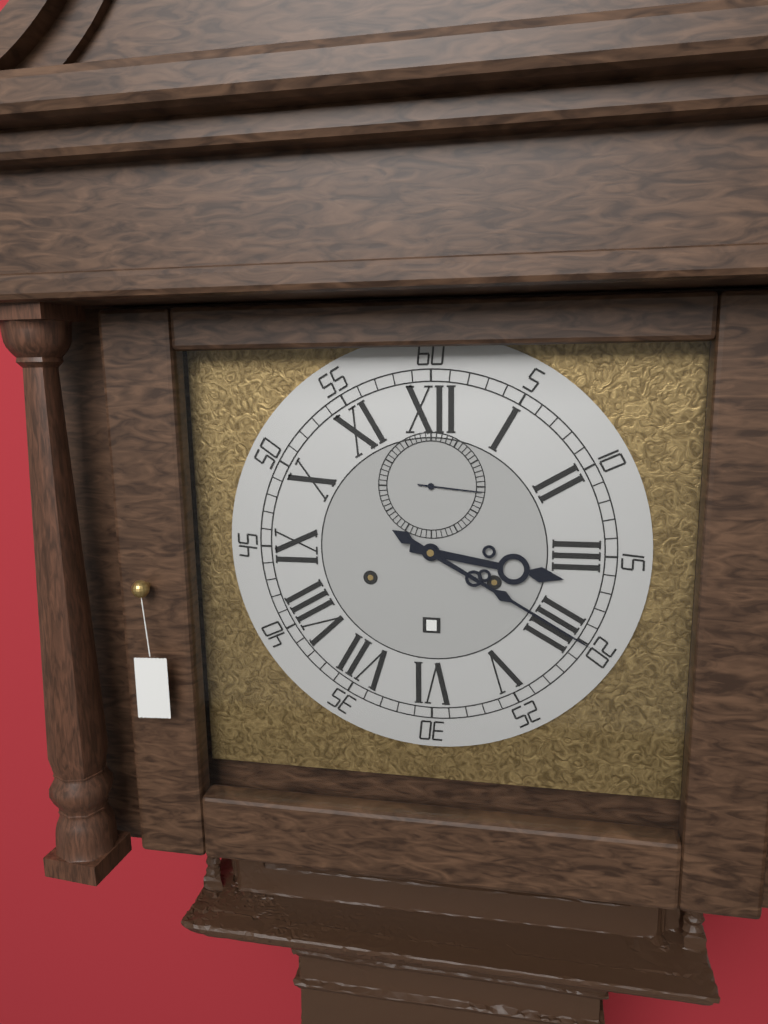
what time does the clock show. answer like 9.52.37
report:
3.20.16
